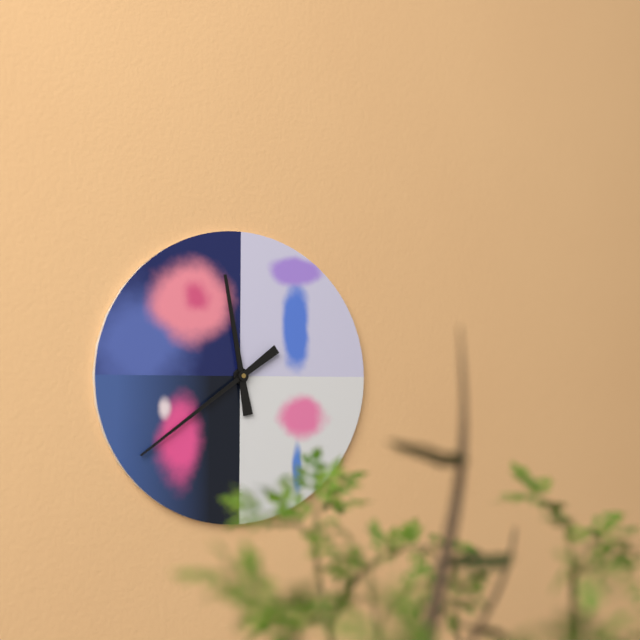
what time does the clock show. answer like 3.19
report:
11.39
